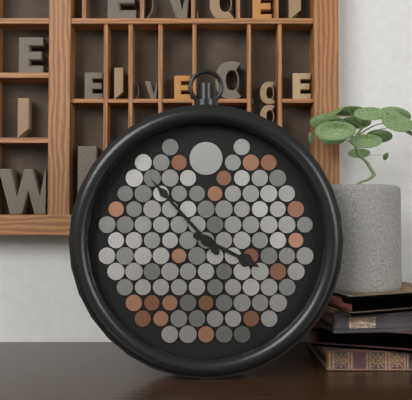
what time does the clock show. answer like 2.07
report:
3.53
